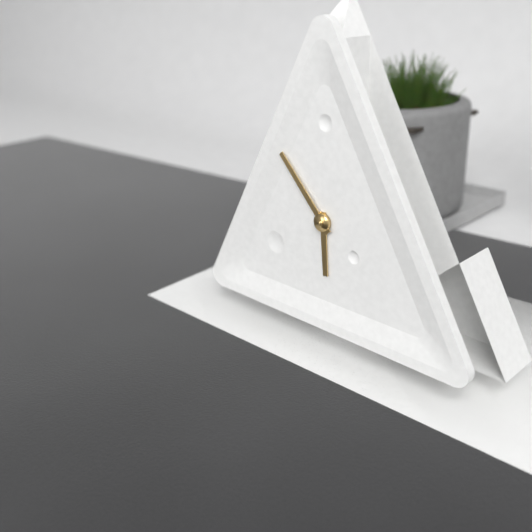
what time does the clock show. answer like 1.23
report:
5.53
